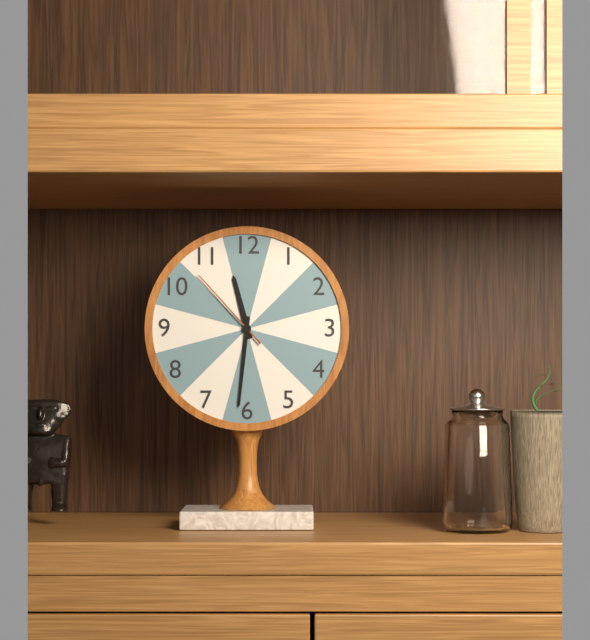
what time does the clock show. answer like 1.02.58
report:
11.31.53
